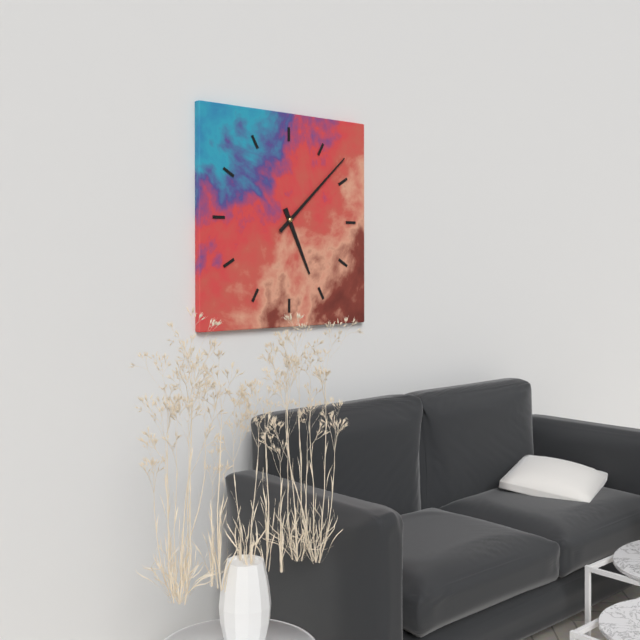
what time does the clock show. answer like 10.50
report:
5.08
